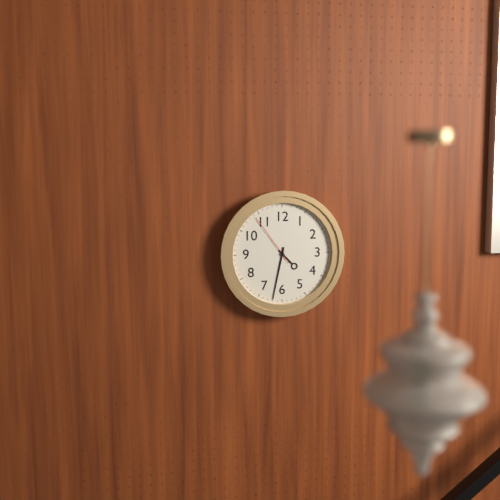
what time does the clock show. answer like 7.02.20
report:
4.32.54
